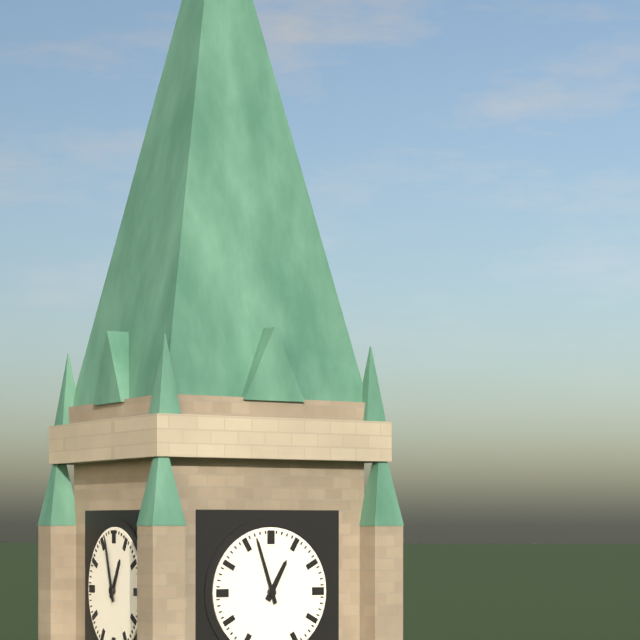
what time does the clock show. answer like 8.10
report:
12.57
